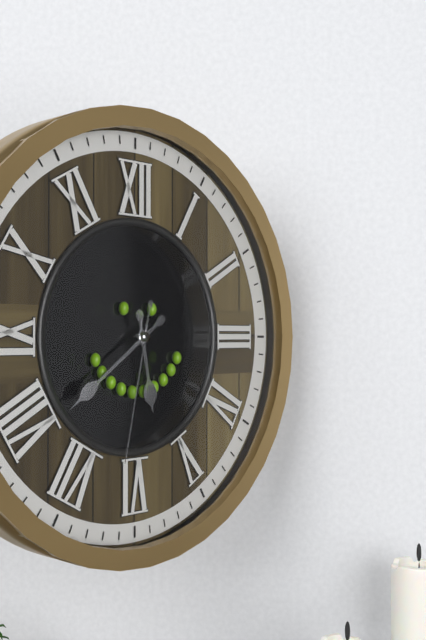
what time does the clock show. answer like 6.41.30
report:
5.39.32
